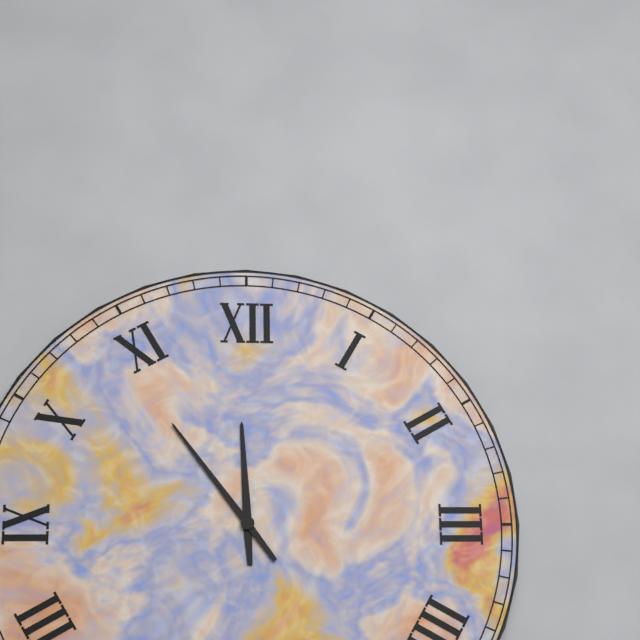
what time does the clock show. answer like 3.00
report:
11.54
